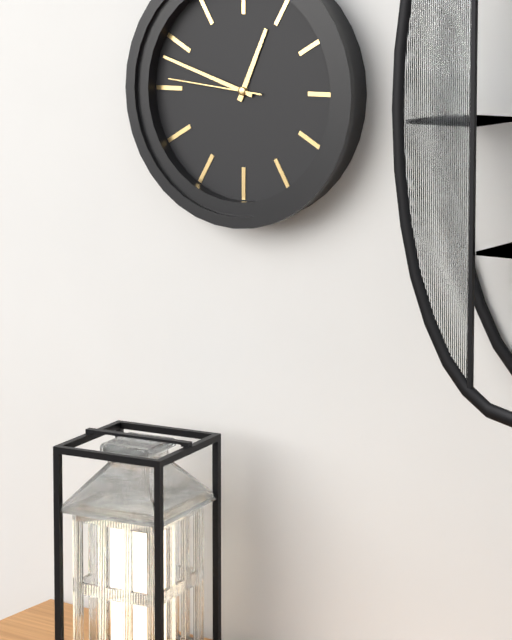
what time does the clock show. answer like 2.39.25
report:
12.48.46
